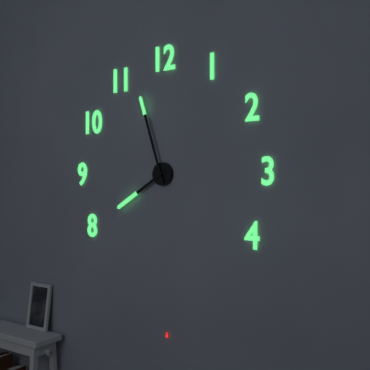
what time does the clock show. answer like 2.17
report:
7.57
